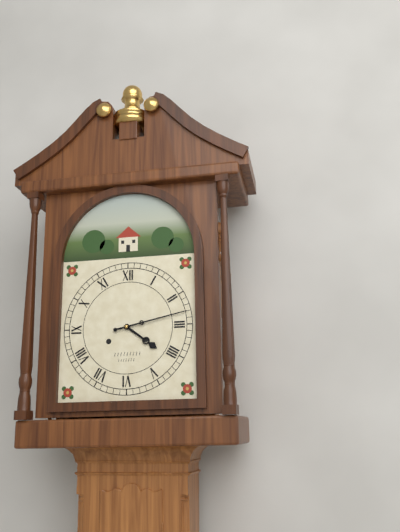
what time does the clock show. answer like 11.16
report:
4.13
